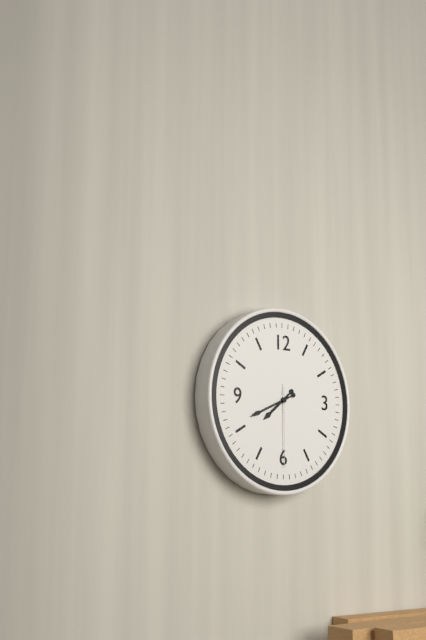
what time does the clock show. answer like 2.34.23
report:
7.41.30
